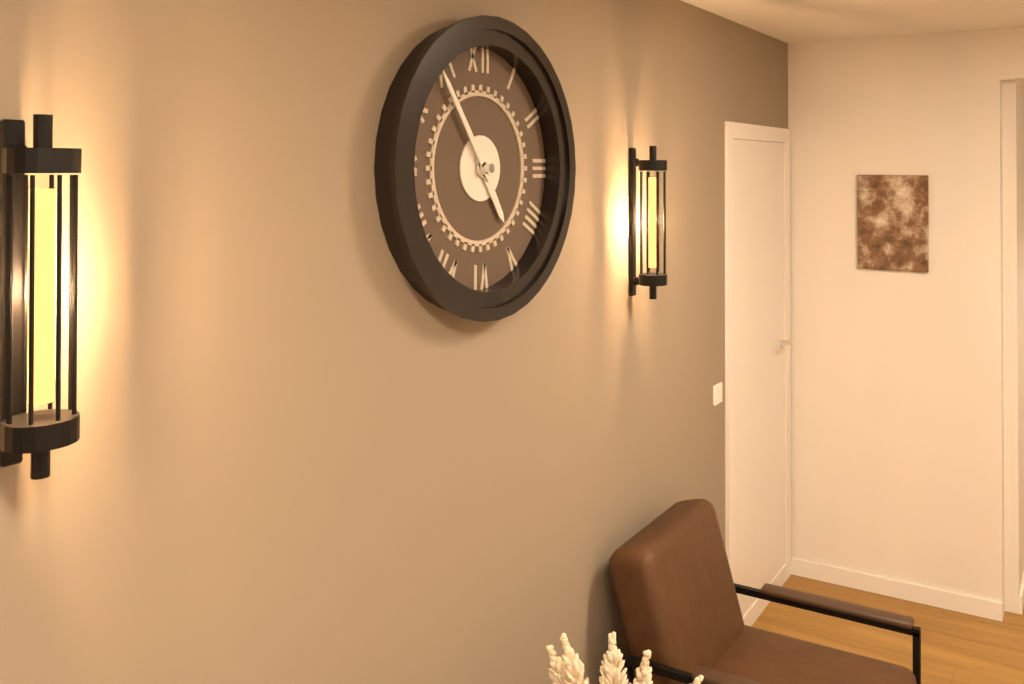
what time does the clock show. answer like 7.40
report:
4.54
